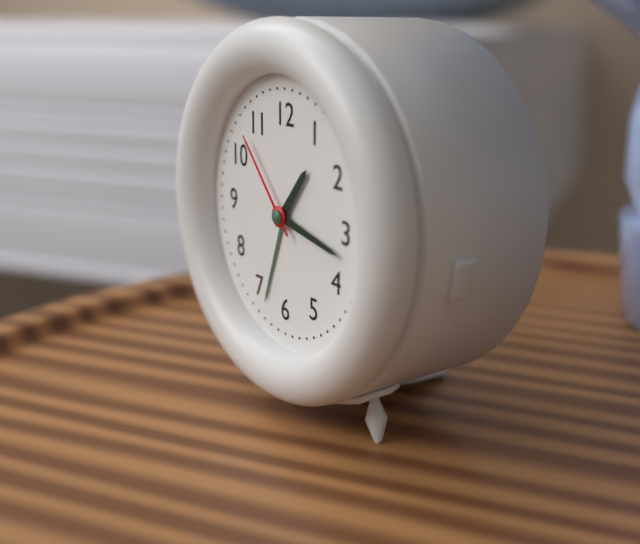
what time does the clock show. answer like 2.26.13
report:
1.17.53
